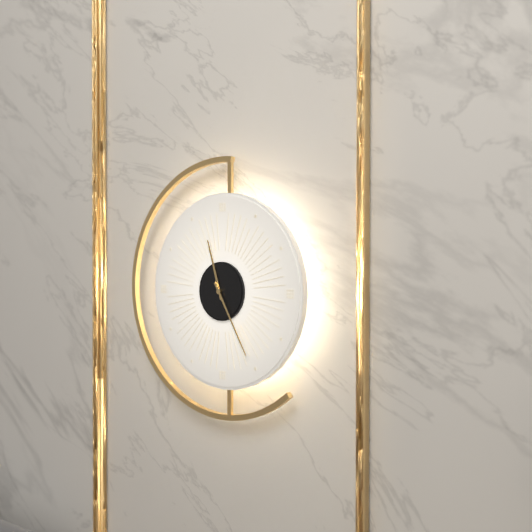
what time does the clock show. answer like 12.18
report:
11.25
